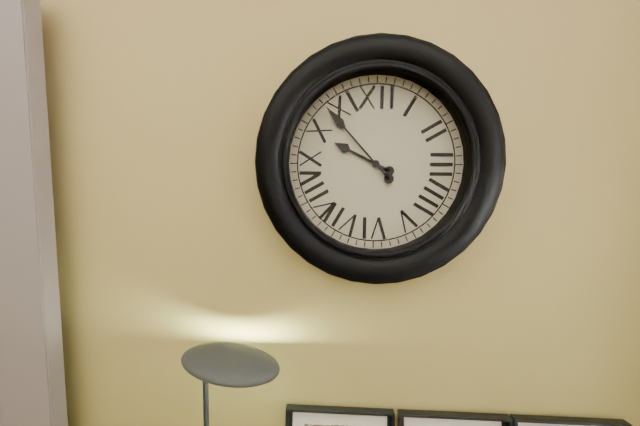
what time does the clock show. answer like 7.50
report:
9.53
